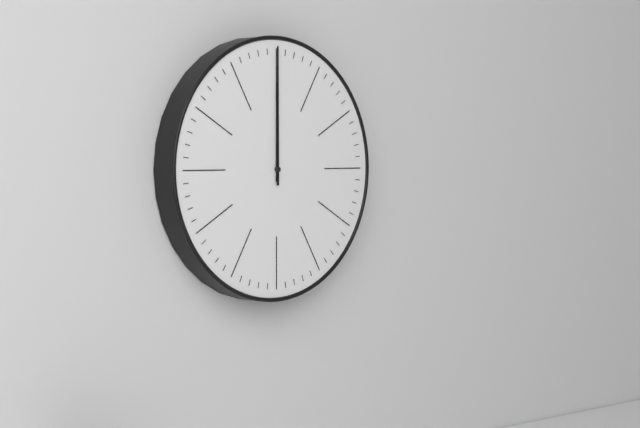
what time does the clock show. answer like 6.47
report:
12.00
